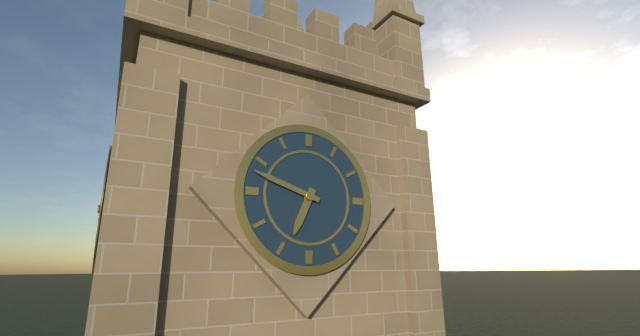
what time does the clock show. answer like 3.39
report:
6.48
